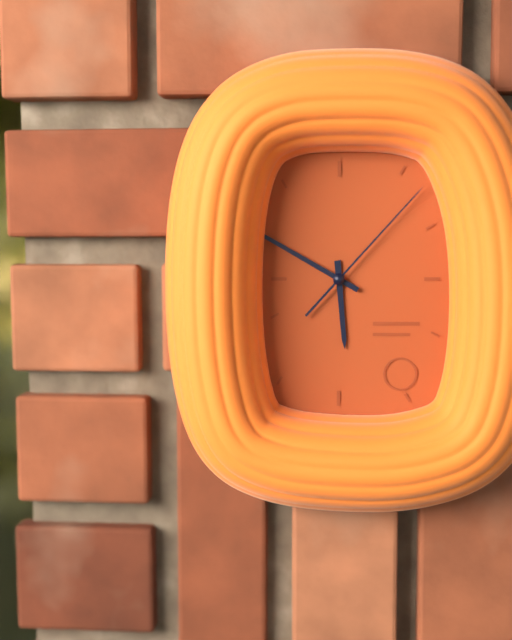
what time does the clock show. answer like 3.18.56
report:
5.50.07
